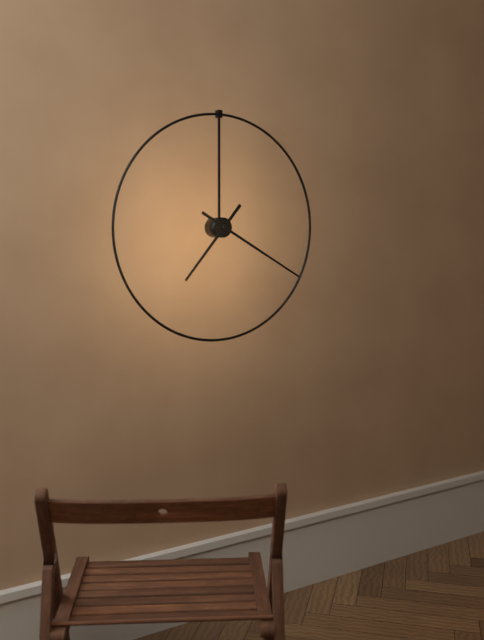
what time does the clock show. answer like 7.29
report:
7.20
